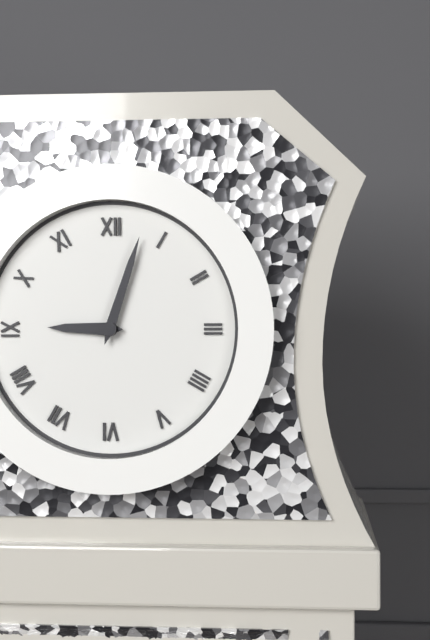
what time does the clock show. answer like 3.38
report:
9.03
